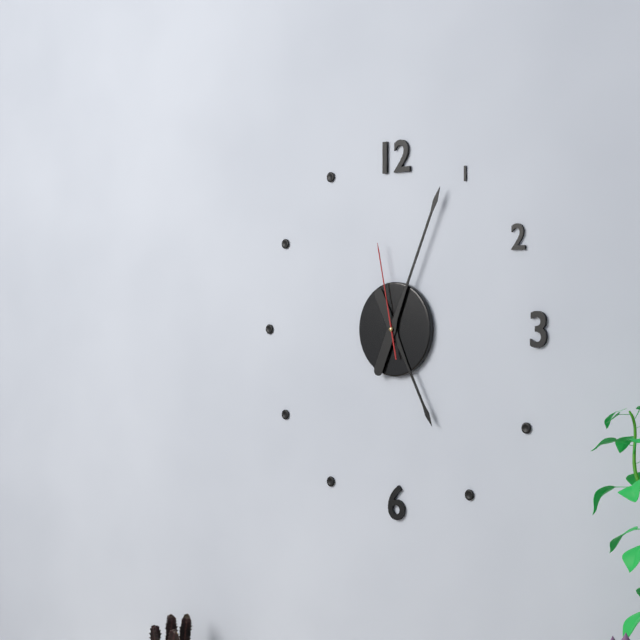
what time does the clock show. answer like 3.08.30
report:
5.04.58
